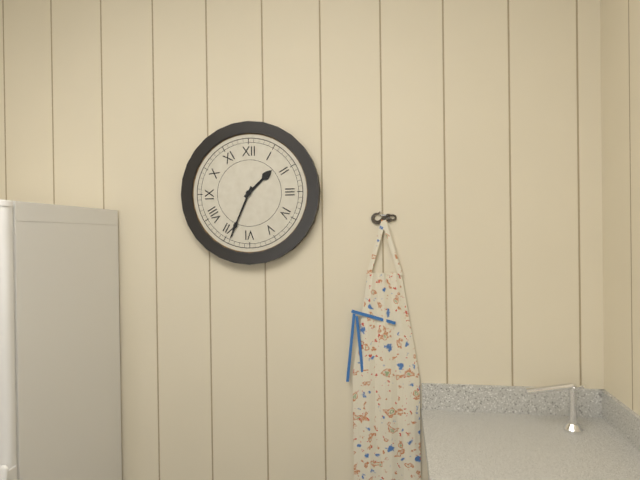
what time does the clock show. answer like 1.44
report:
1.34
